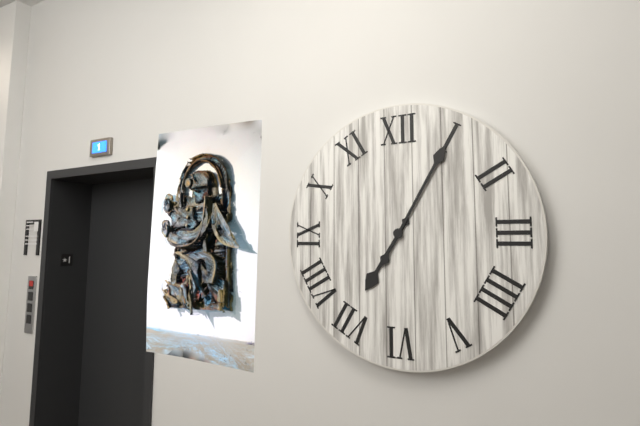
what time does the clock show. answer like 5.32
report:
7.05
